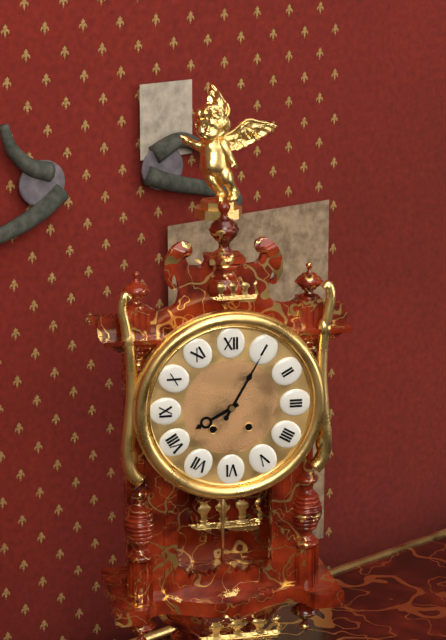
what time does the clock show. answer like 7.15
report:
8.05
